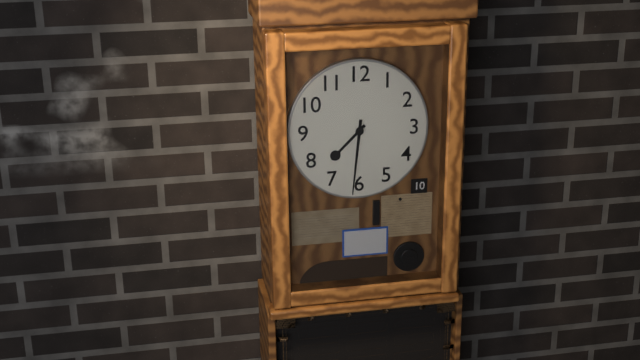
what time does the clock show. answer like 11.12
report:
7.31
